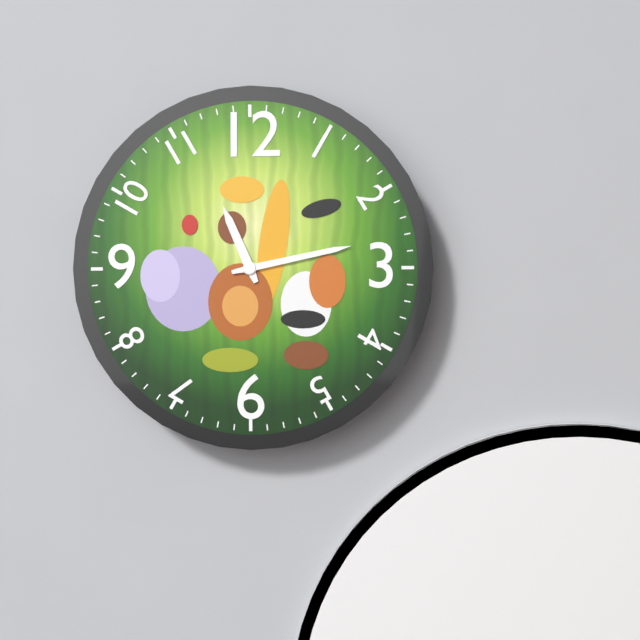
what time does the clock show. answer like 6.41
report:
11.13
